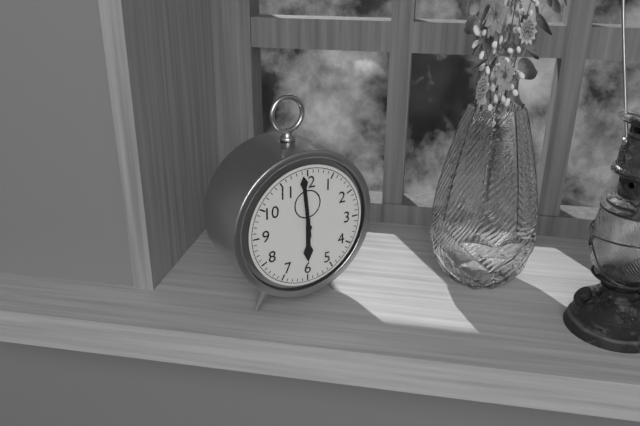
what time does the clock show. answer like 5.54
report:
5.59
